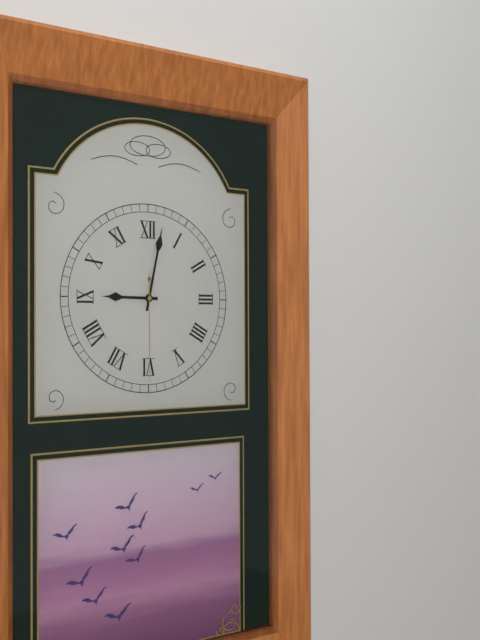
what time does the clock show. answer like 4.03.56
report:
9.02.30
